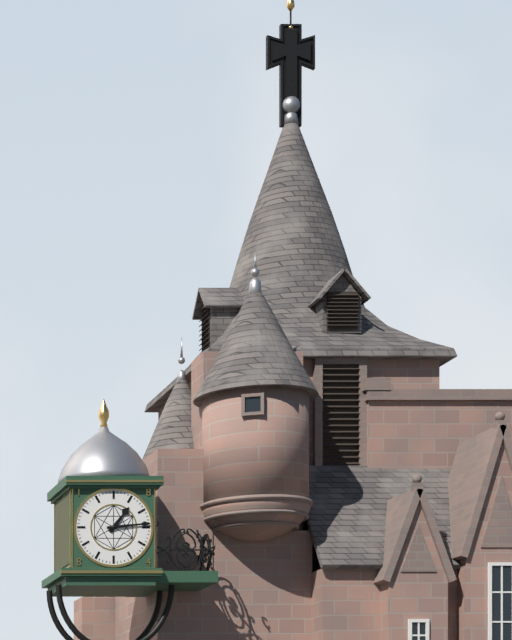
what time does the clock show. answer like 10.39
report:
1.14
